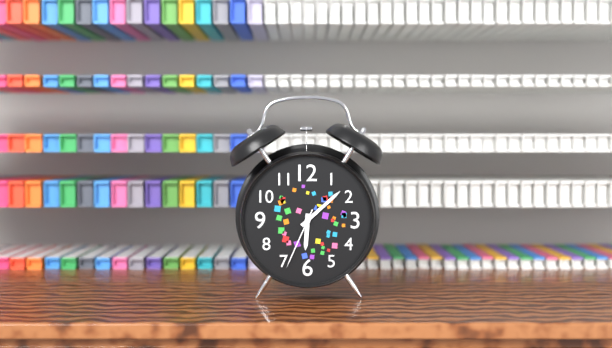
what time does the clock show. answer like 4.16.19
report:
6.08.34
